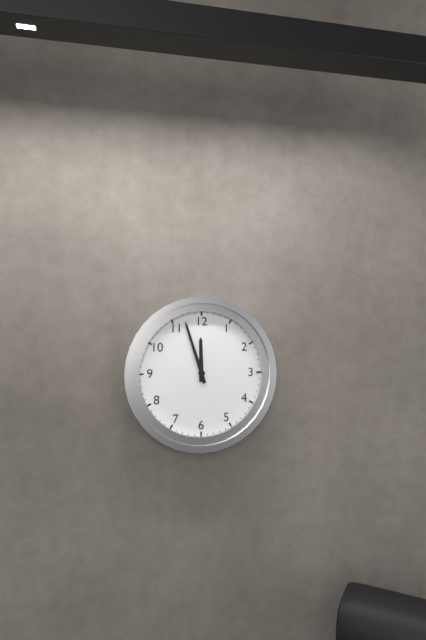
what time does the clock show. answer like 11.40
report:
11.57
